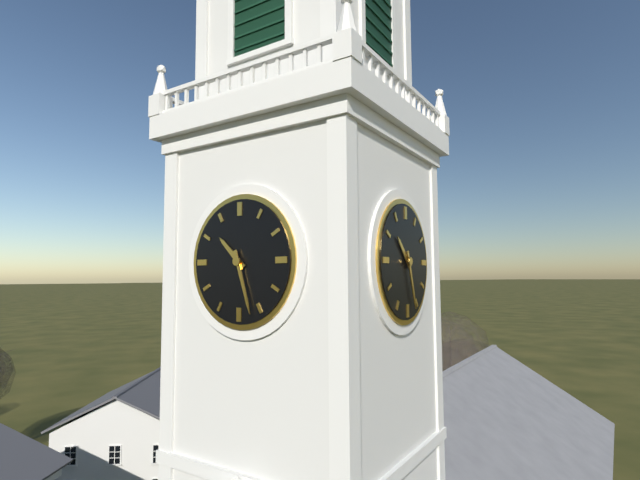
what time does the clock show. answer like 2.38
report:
10.27
